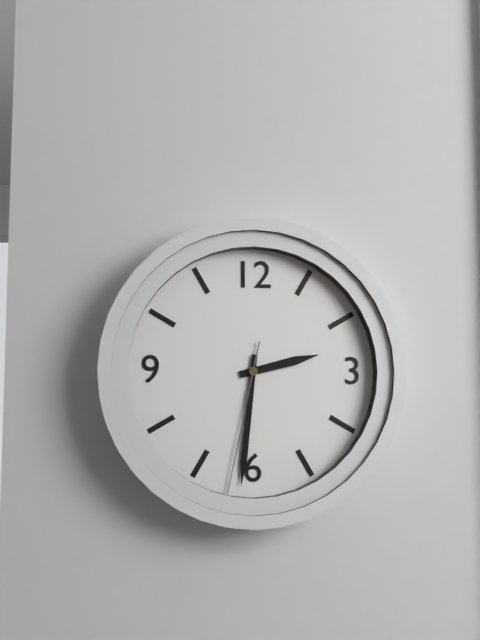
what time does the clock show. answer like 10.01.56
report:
2.31.32
